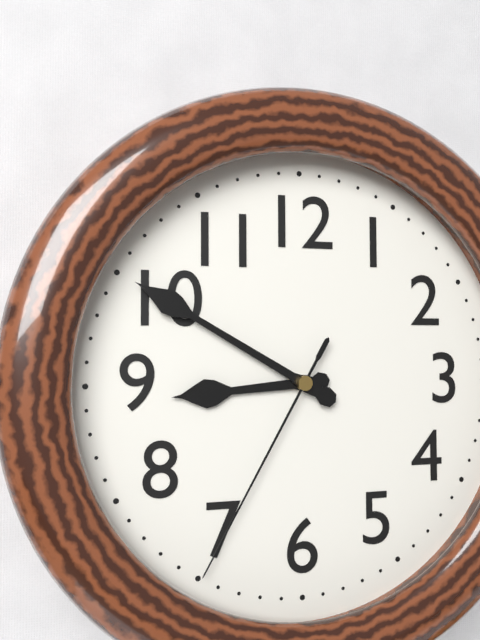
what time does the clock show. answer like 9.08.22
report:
8.50.35
